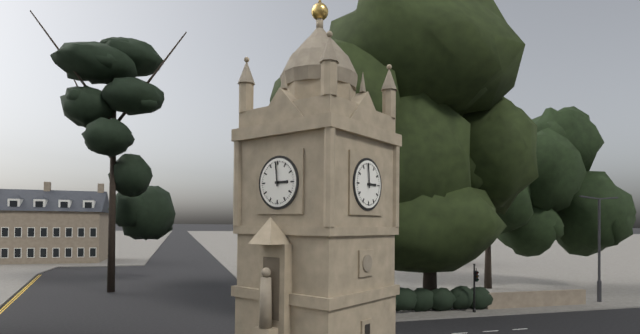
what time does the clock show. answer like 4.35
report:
2.59
